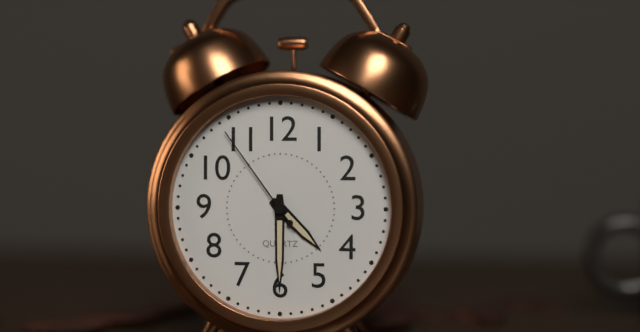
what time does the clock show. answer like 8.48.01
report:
4.30.54
